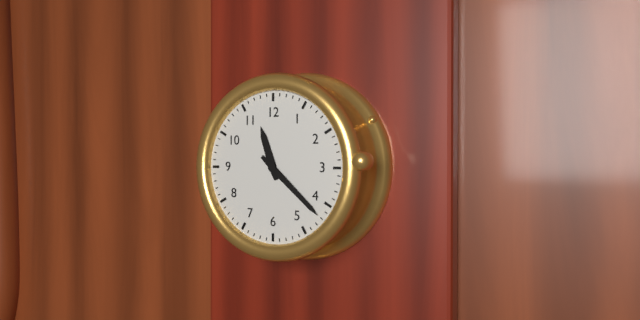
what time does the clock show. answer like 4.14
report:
11.22
